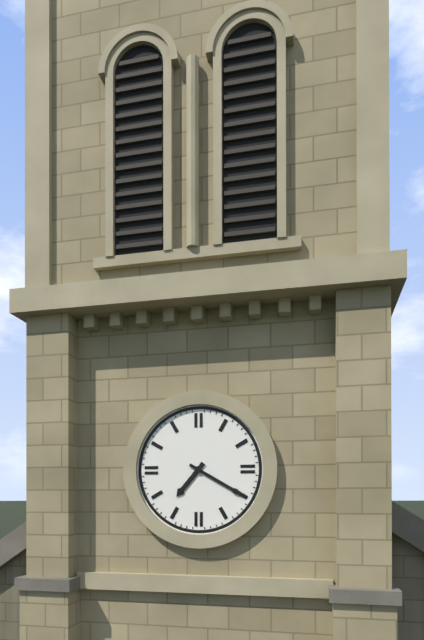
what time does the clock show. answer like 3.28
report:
7.20
